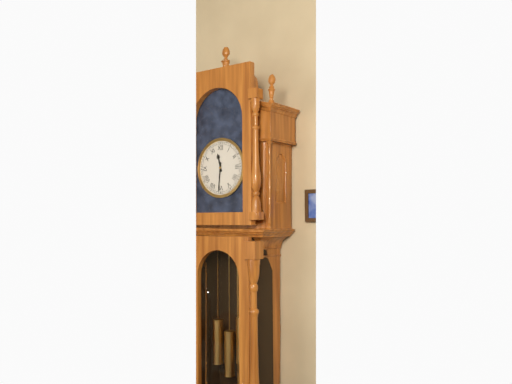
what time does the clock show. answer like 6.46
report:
11.31
